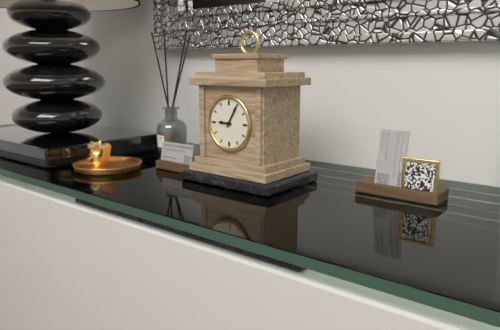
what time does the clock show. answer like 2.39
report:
9.05
